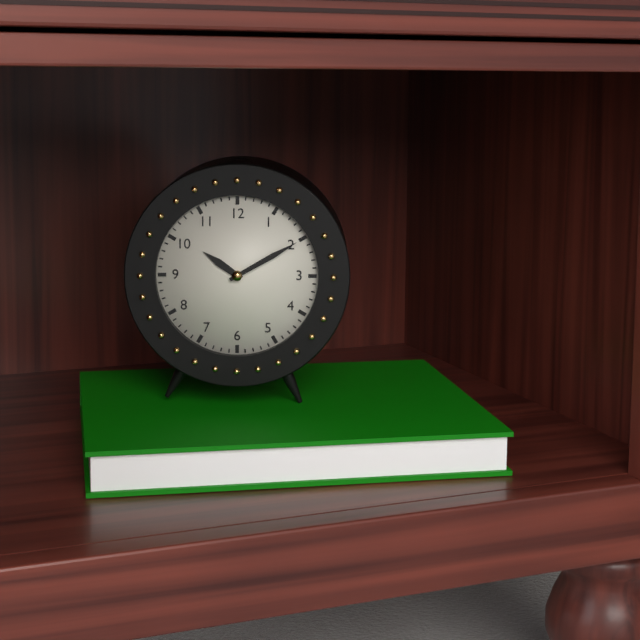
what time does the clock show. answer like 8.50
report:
10.10
